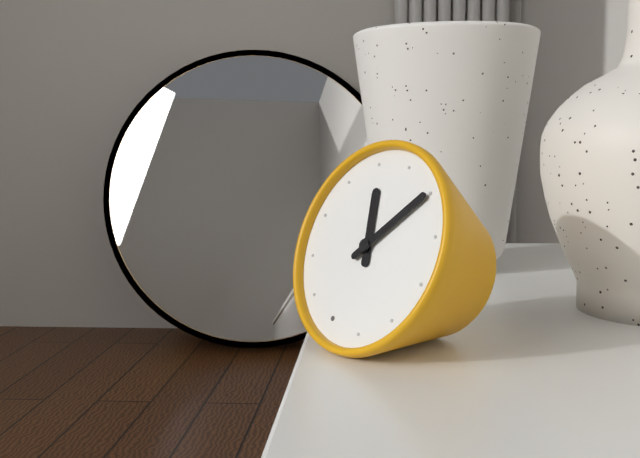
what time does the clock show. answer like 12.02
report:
11.05
